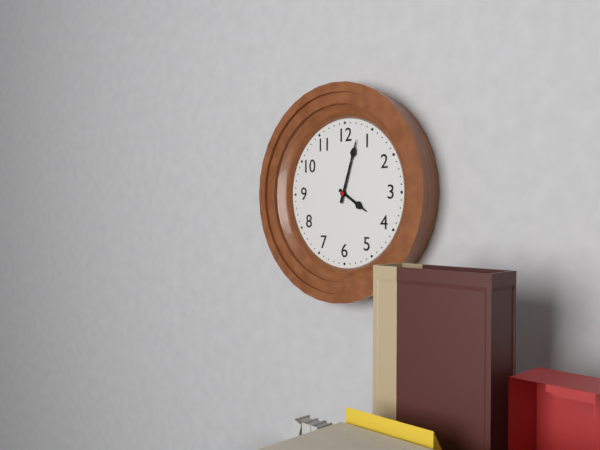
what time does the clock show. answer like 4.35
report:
4.03
